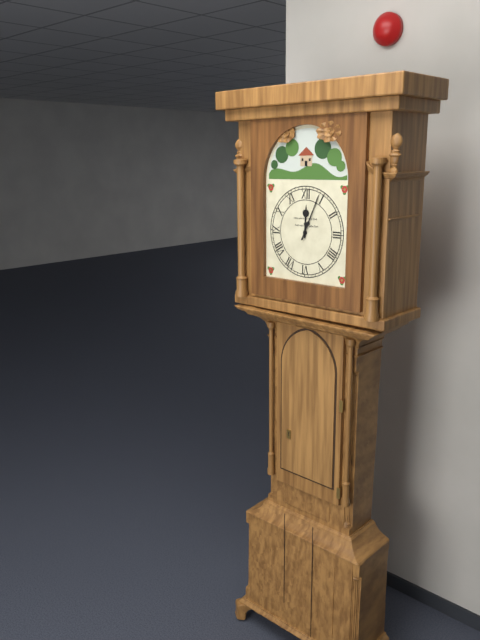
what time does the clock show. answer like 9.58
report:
12.04
